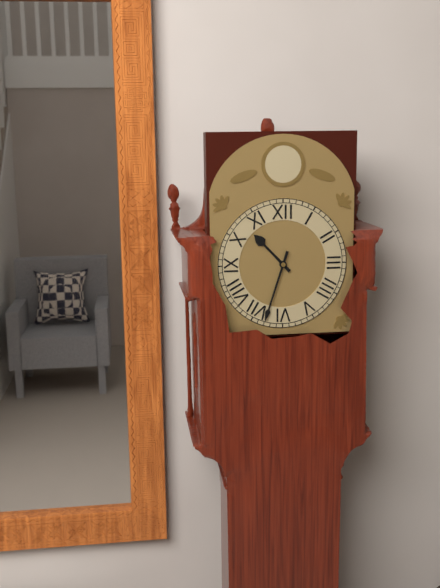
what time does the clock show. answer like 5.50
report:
10.33
